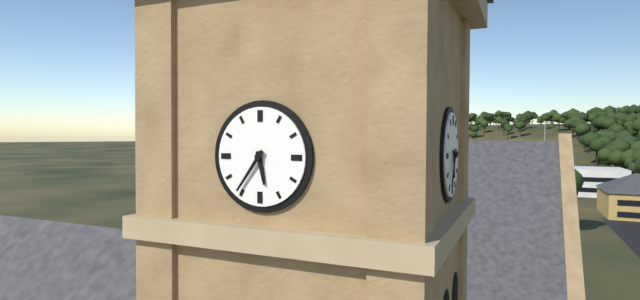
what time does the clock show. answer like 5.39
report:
5.36
